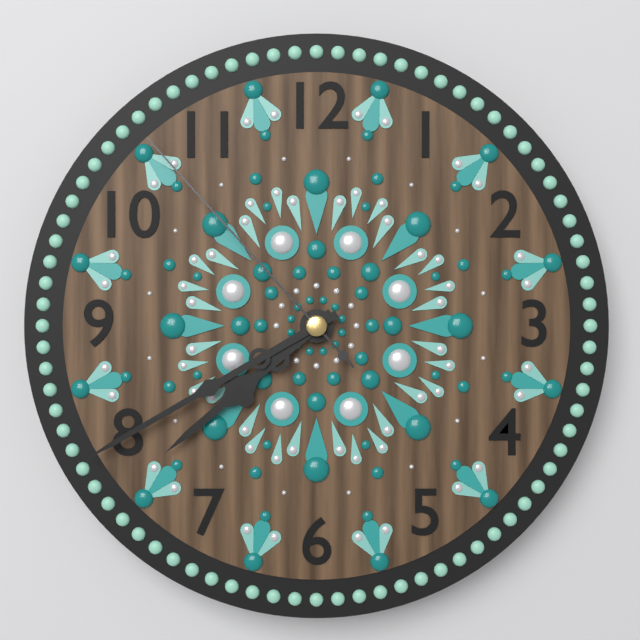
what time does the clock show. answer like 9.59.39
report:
7.40.53
